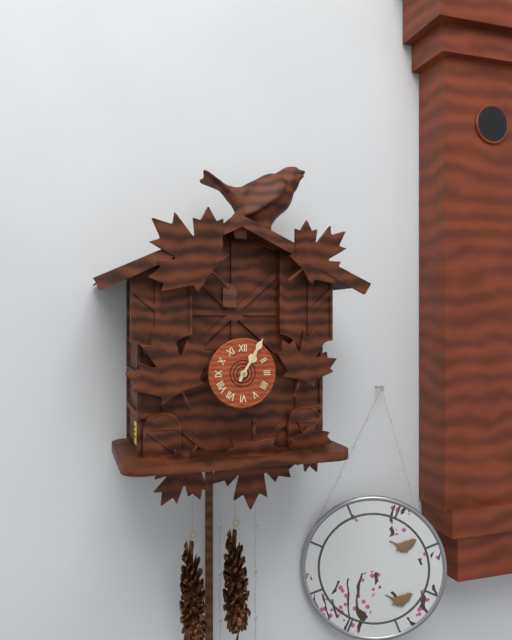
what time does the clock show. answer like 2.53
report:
1.05
